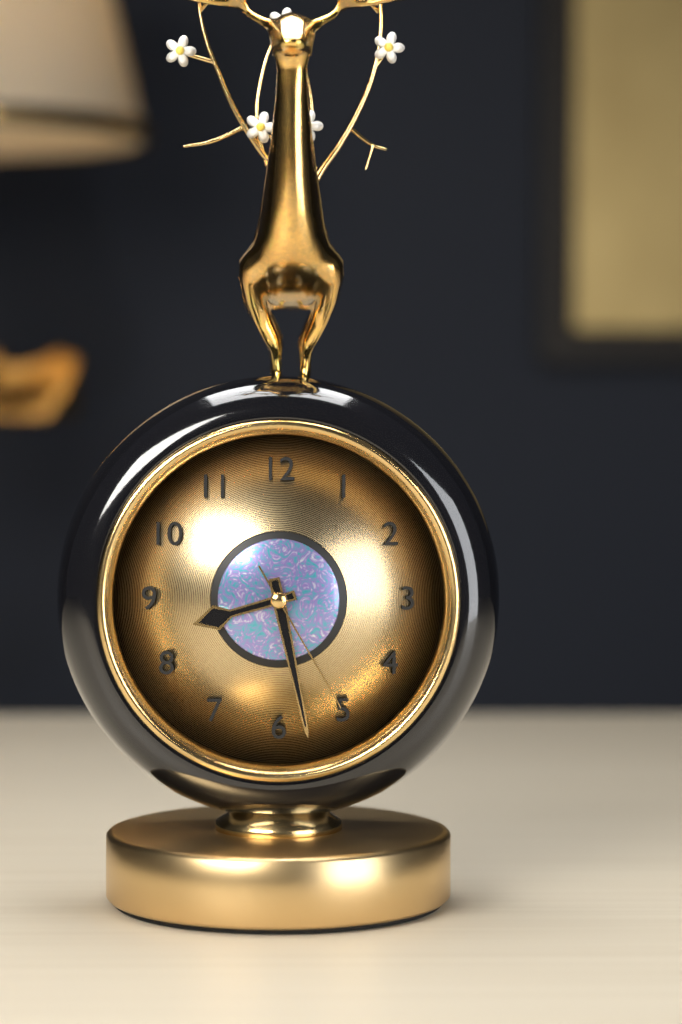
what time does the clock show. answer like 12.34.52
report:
8.28.25
